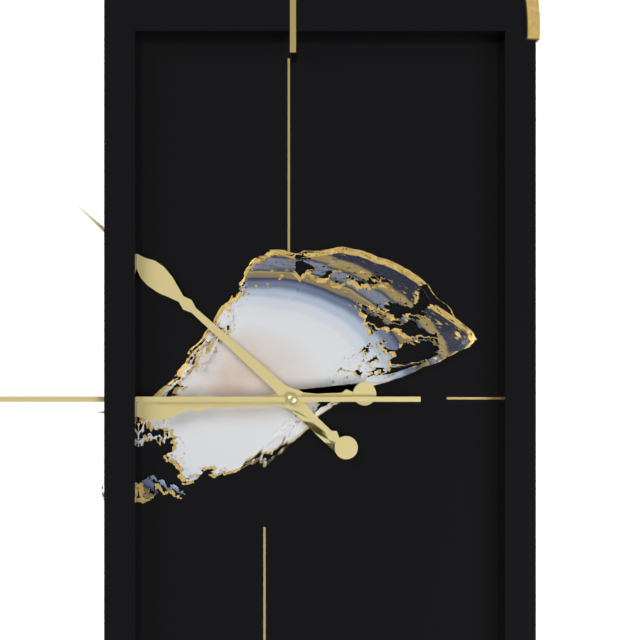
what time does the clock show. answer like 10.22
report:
8.52
